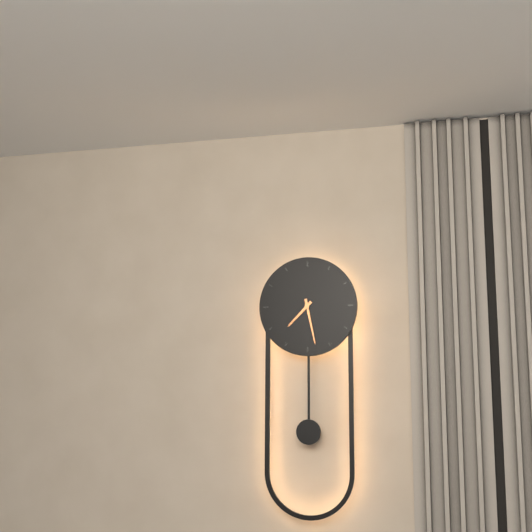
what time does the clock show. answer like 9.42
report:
7.28
